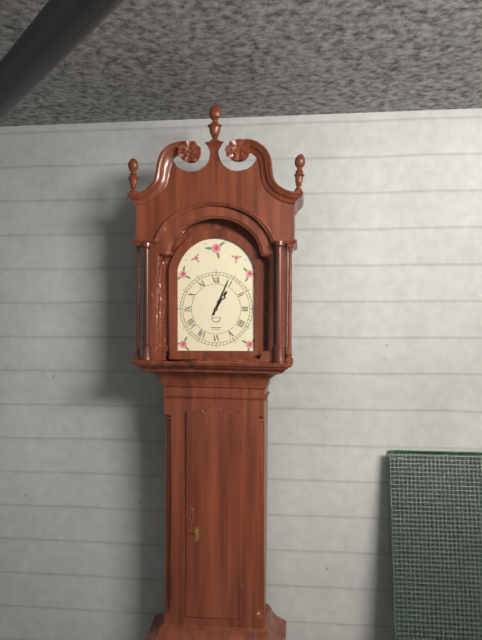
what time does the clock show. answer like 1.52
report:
1.04
